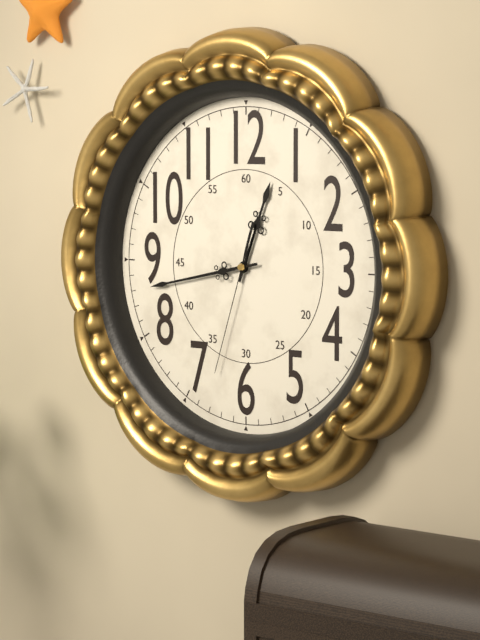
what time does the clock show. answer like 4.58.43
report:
12.43.33
